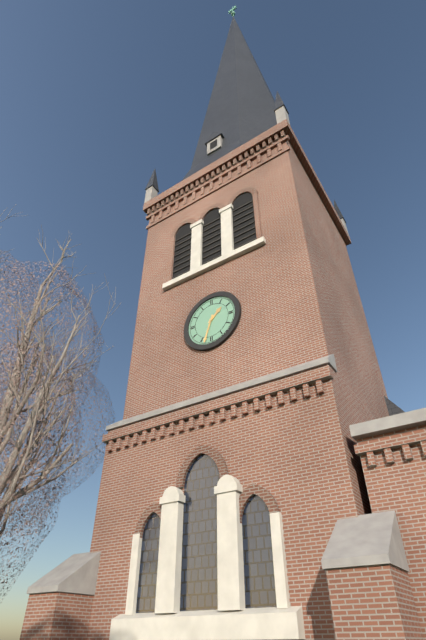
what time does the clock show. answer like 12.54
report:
1.33
